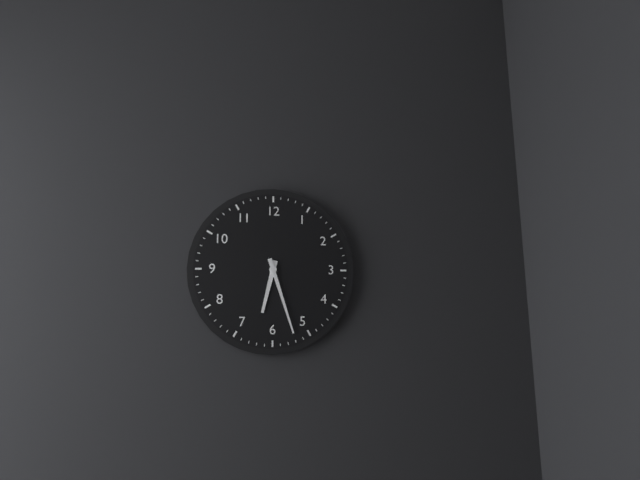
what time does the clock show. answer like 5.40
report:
6.27
